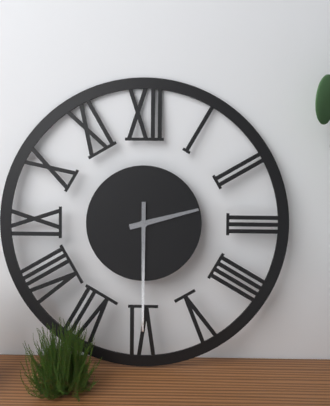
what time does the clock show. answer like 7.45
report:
2.30
